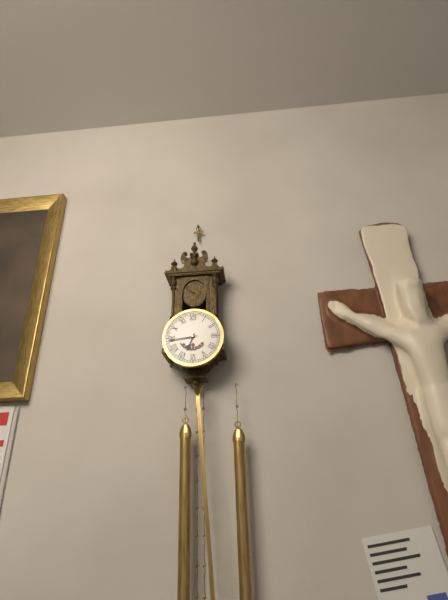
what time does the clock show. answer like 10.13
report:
6.44
